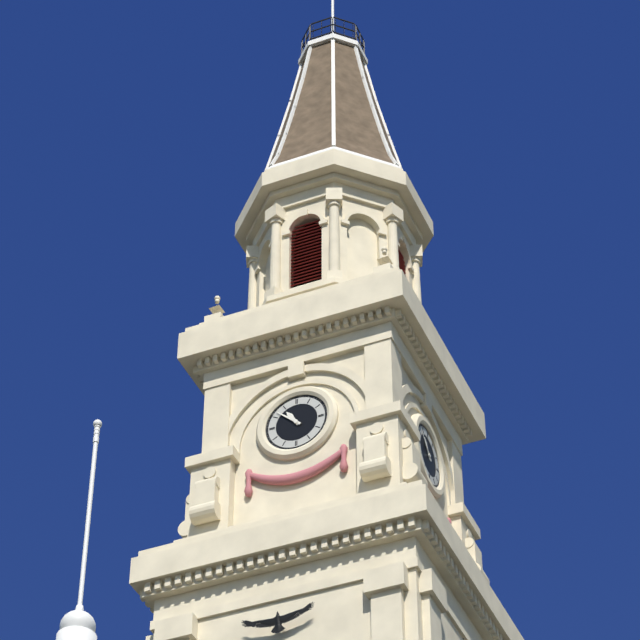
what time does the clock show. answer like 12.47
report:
10.52
